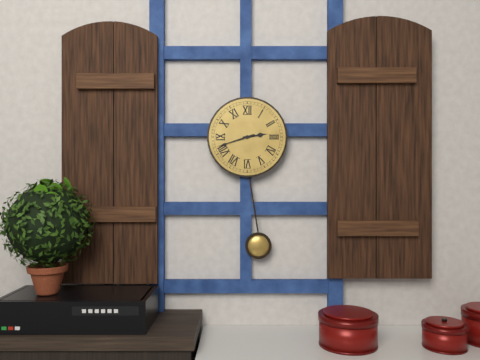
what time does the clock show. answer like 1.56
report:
2.42
